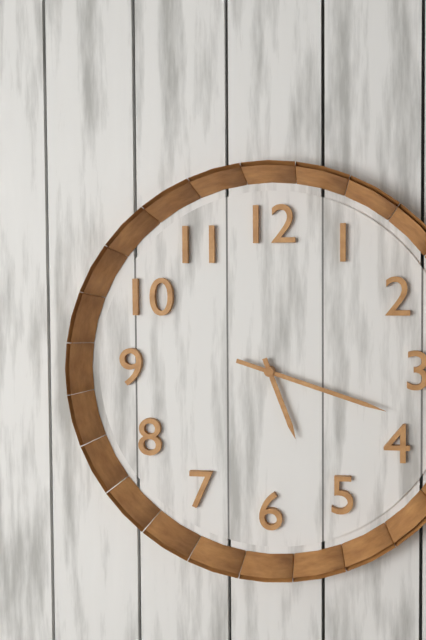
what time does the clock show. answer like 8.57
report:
5.18
